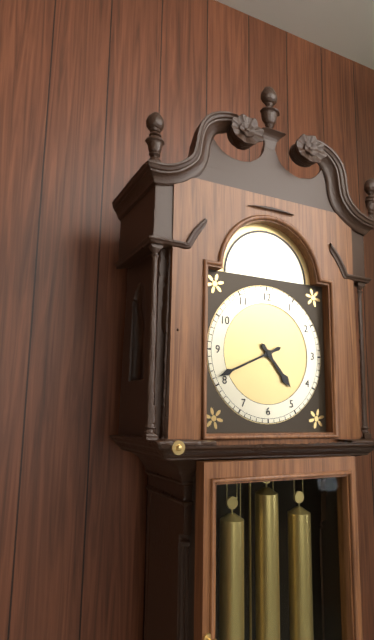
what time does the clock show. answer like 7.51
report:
4.41
